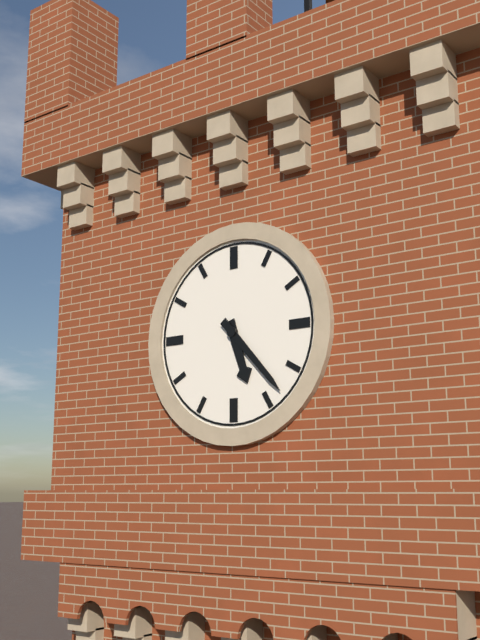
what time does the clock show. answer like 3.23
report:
5.23
